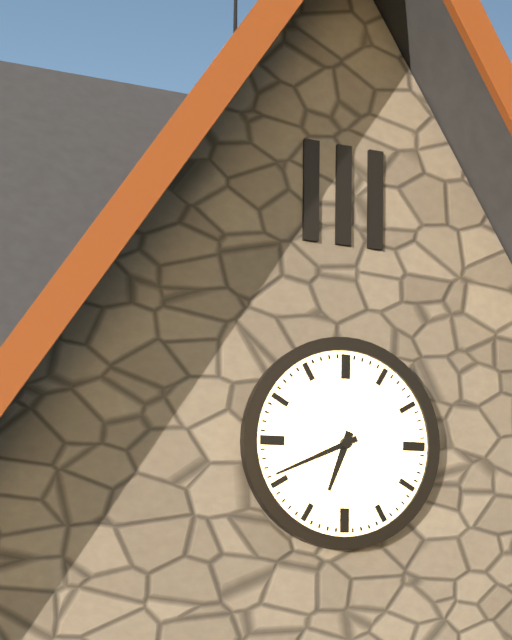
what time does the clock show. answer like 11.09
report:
6.41
